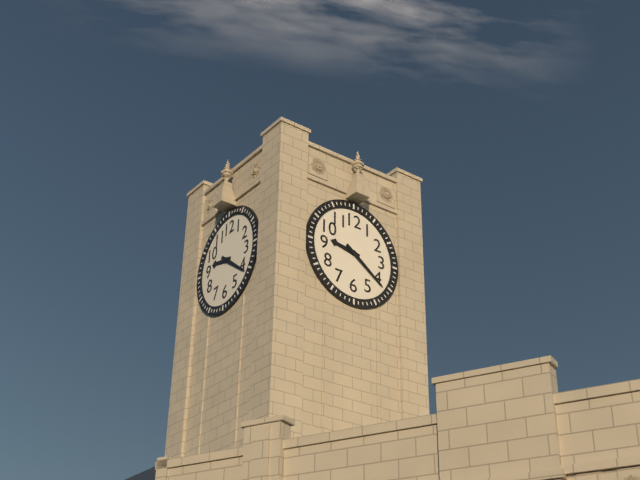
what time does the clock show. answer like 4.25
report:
9.21
